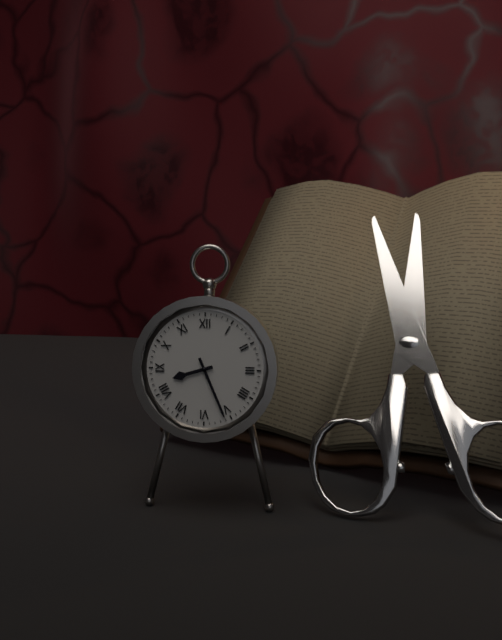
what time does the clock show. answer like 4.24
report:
8.26
